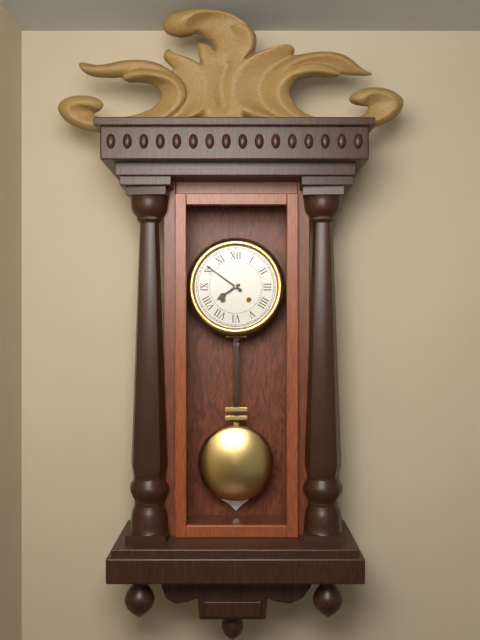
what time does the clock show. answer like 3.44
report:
7.51
